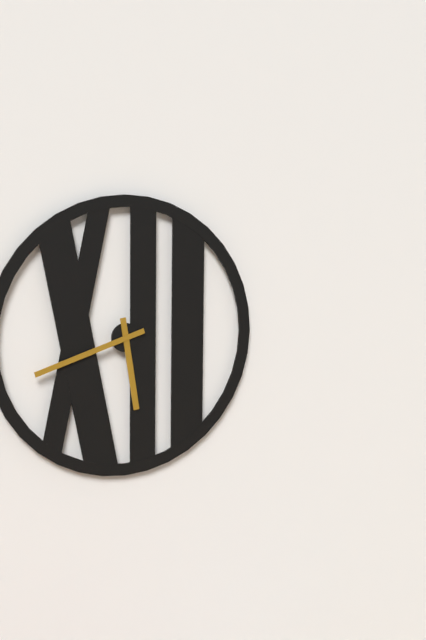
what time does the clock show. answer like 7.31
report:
5.42
